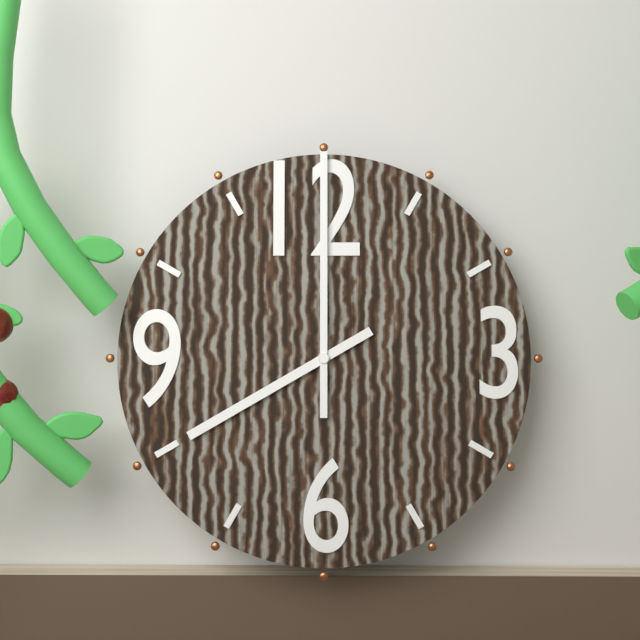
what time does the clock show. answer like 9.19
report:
8.00
